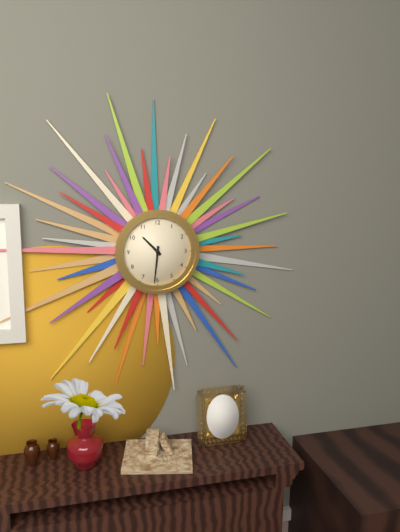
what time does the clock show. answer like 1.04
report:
10.31
